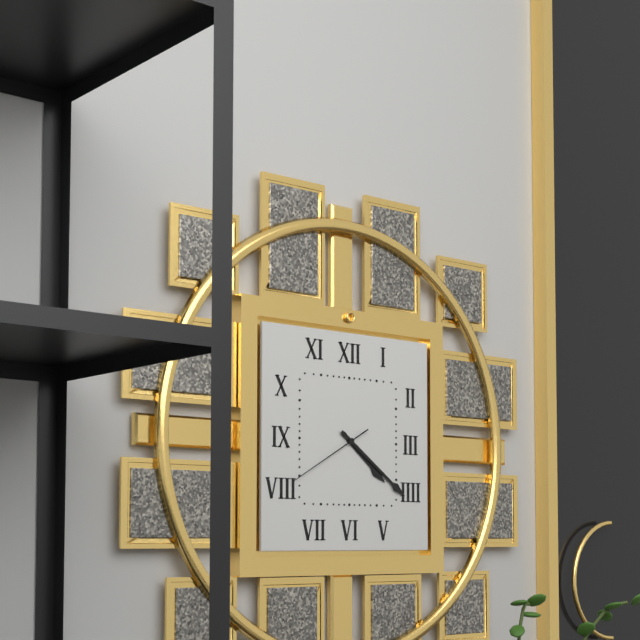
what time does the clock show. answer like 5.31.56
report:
4.21.40
